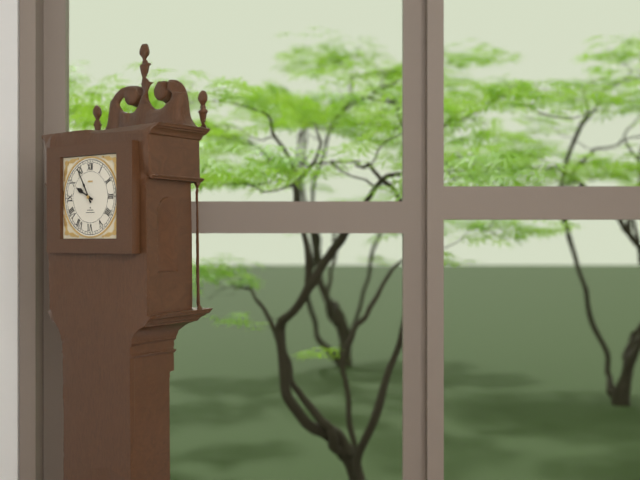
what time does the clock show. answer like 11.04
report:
9.55
